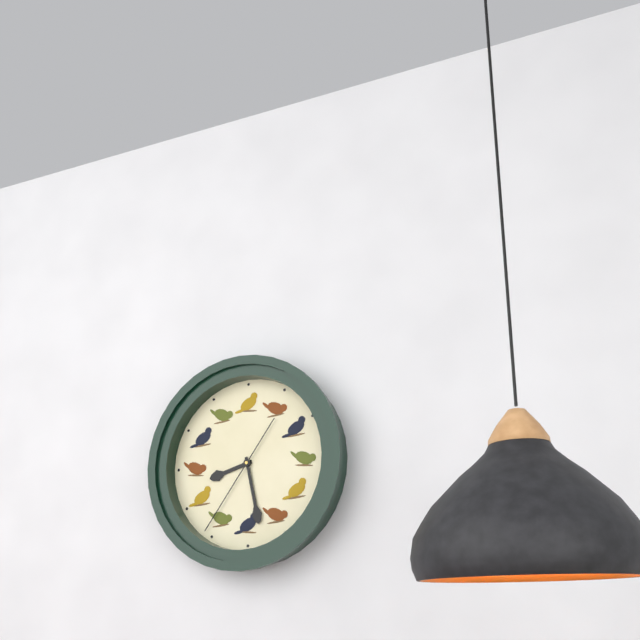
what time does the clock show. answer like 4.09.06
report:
8.28.36
